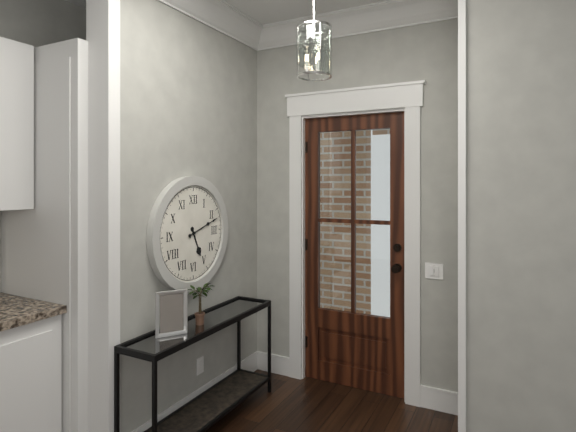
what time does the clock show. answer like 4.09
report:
5.12
